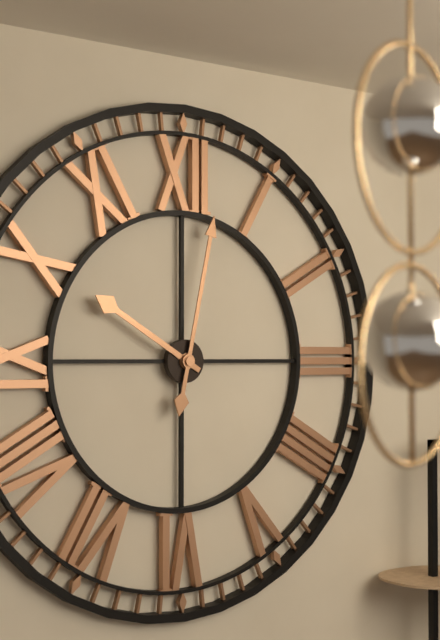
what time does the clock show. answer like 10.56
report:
10.02
